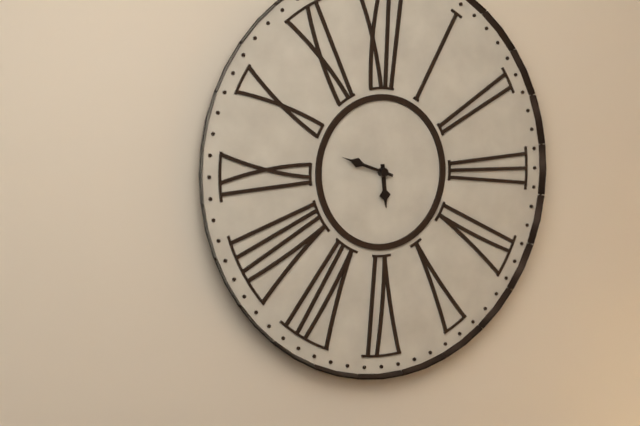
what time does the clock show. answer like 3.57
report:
5.48
